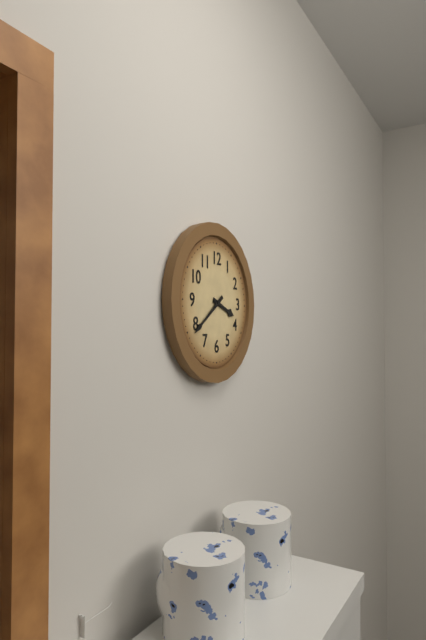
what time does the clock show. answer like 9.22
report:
3.39
